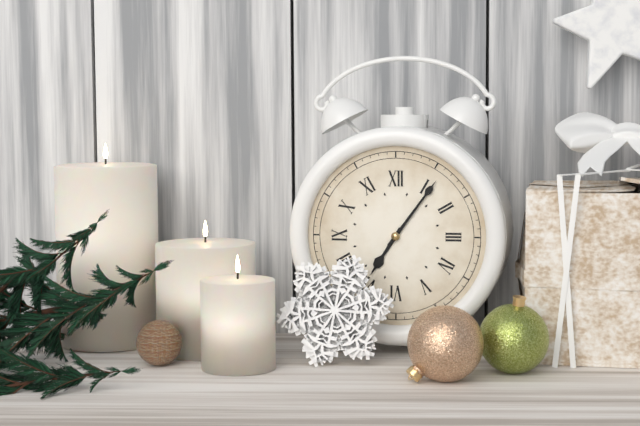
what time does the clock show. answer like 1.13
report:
7.06
